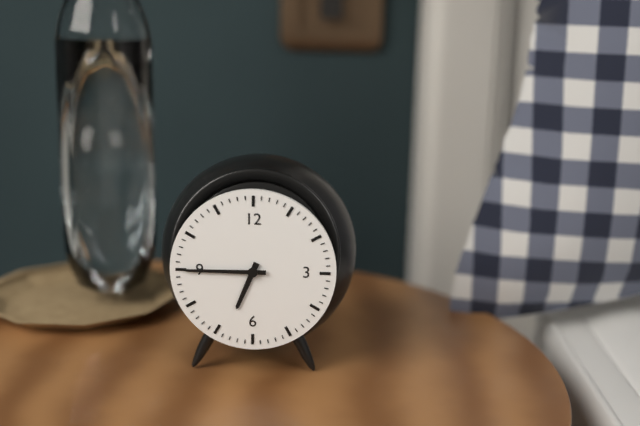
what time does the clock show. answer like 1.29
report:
6.45
